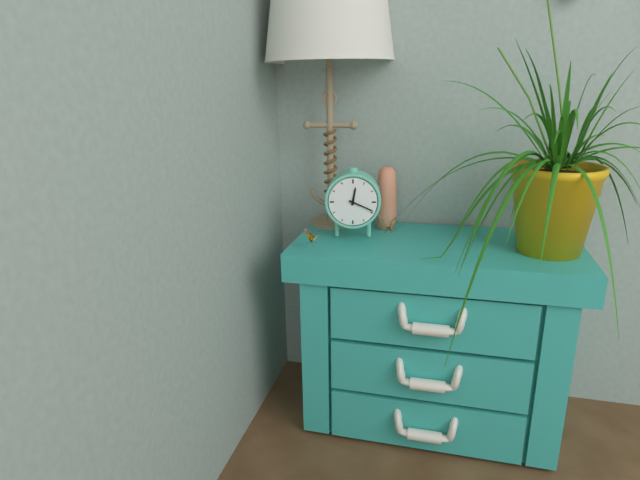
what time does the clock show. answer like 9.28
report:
12.19
